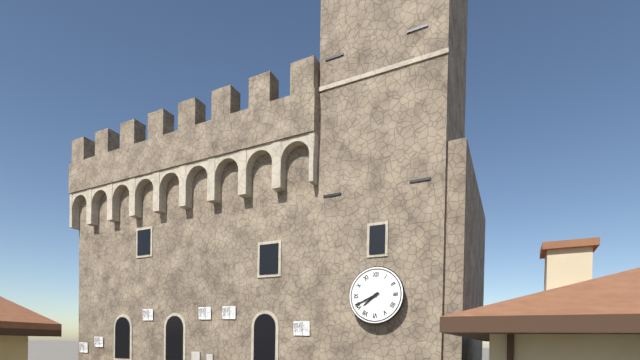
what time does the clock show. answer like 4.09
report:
7.41
